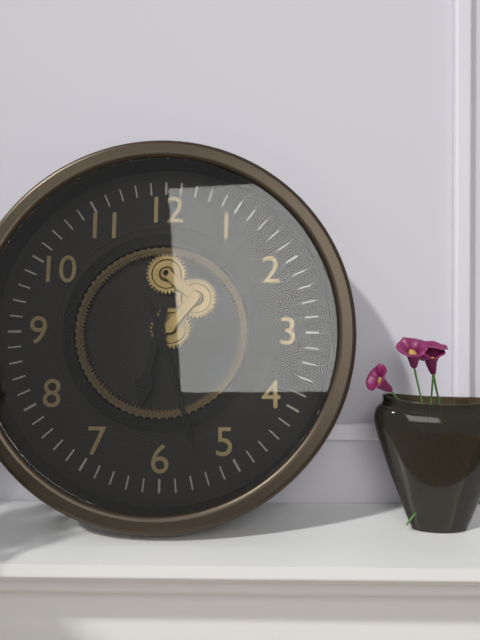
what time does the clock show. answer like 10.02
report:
6.27
